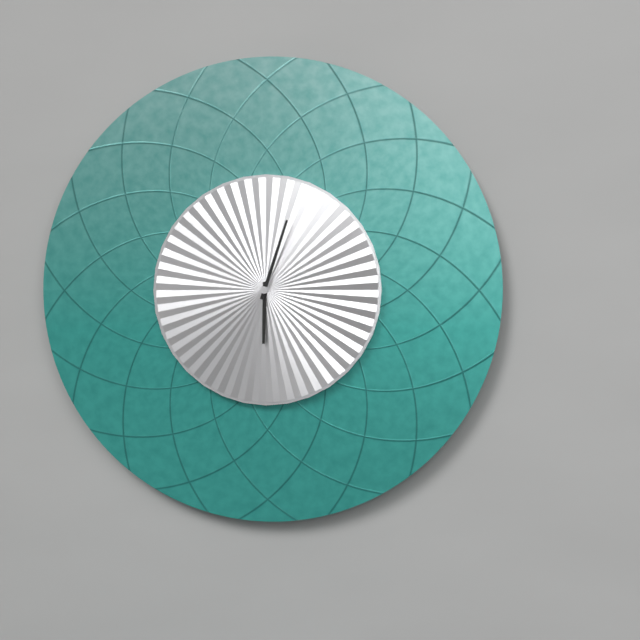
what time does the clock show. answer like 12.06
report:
6.03
